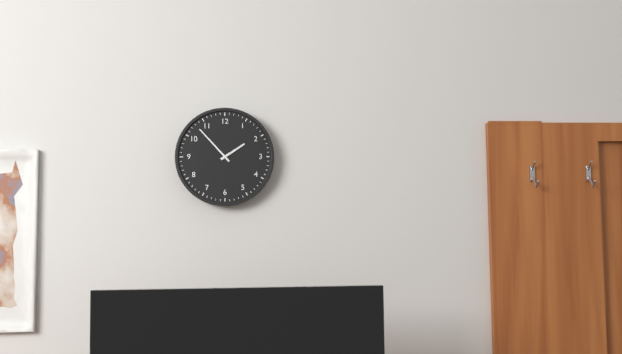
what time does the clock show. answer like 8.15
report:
1.53
